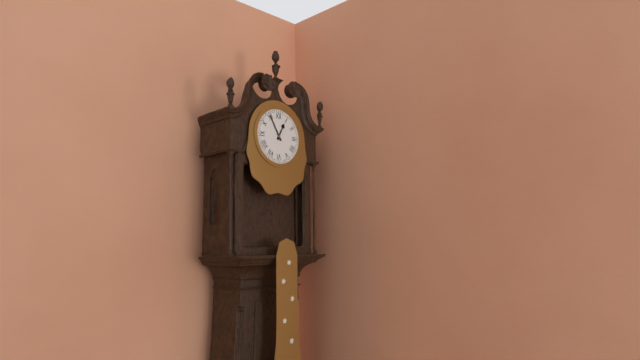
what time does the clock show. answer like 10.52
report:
12.55
